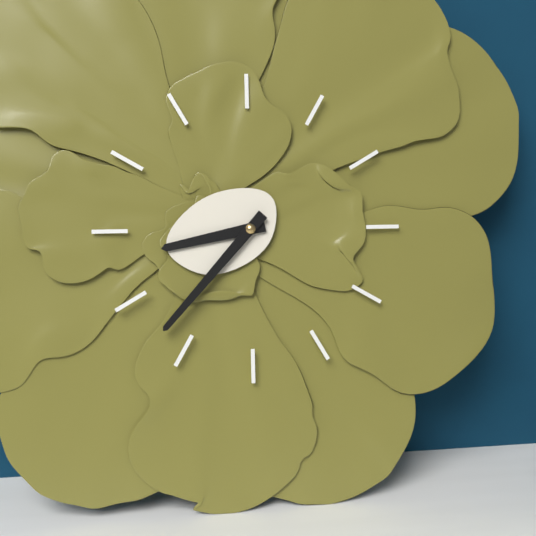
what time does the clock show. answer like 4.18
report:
8.37
